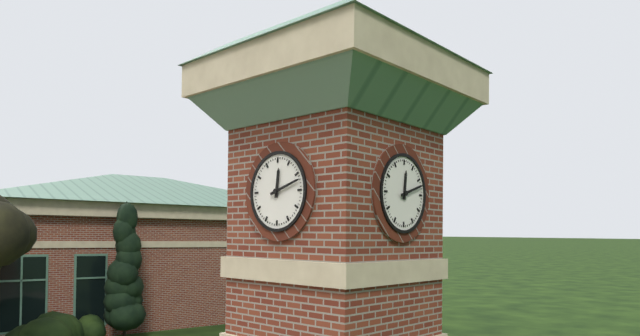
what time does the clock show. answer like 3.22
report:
12.12
